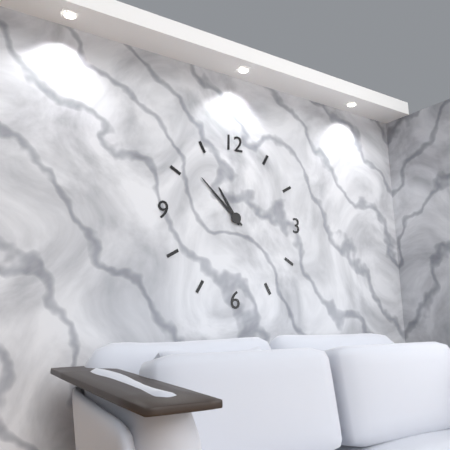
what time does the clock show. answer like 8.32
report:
10.52
